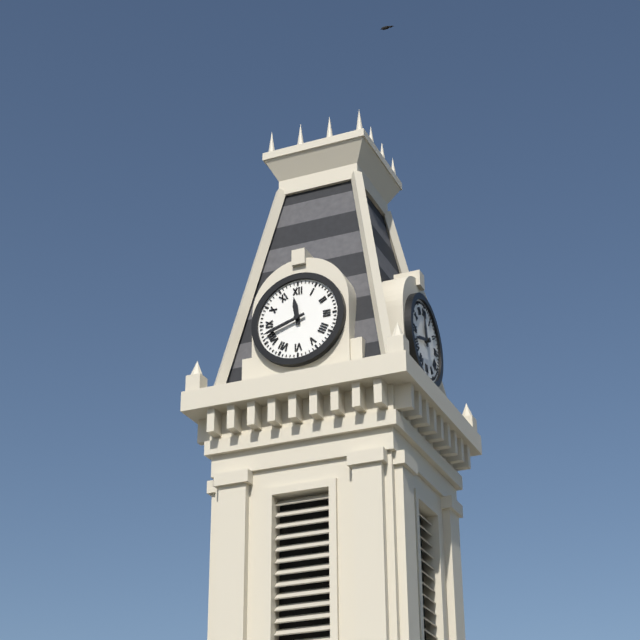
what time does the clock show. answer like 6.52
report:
11.42
